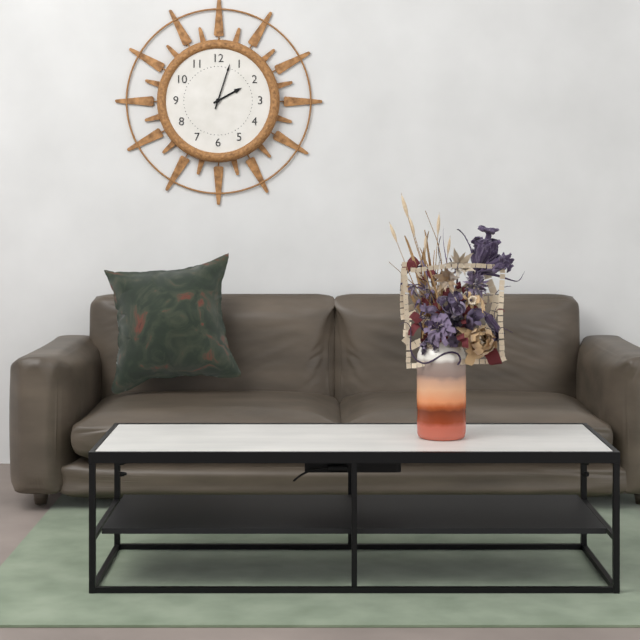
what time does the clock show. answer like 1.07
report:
2.03
